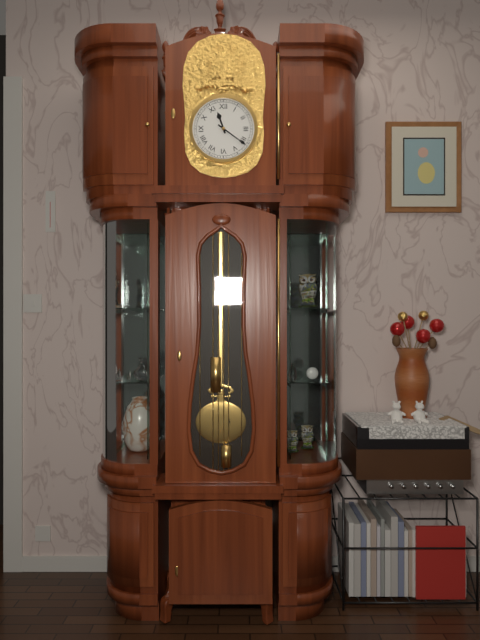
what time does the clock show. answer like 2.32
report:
11.21
